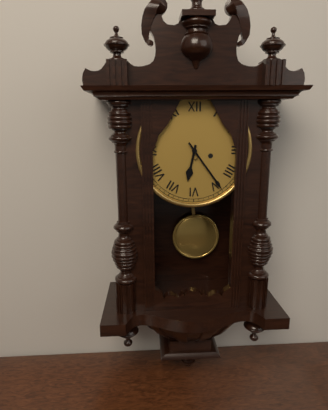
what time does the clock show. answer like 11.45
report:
6.24
